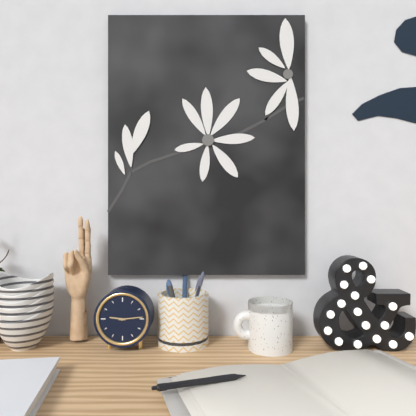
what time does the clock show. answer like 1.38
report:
9.14
